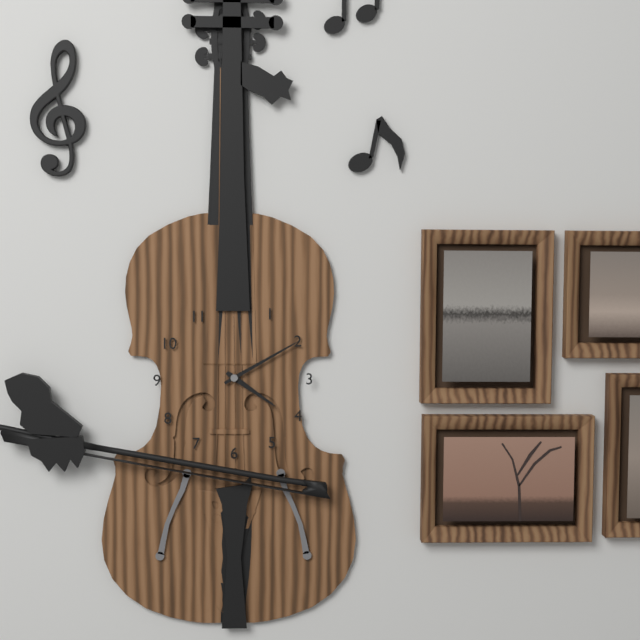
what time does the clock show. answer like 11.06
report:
4.10
